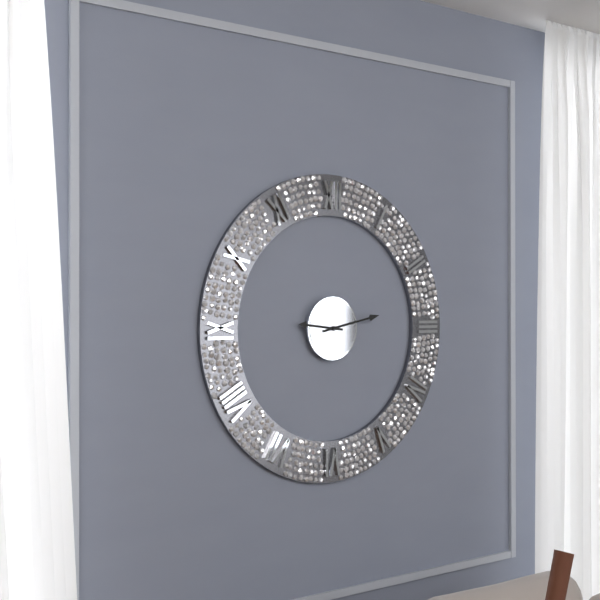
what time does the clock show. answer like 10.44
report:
9.13
